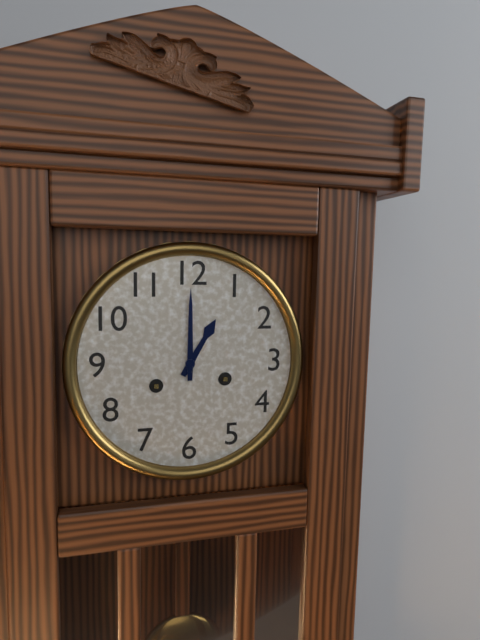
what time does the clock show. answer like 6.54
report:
1.00
